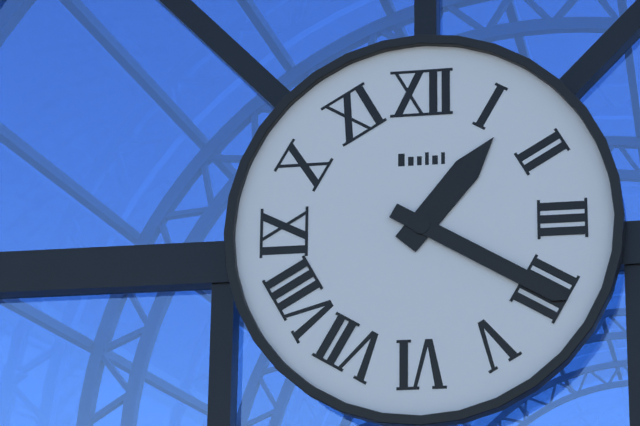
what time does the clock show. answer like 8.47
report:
1.20
